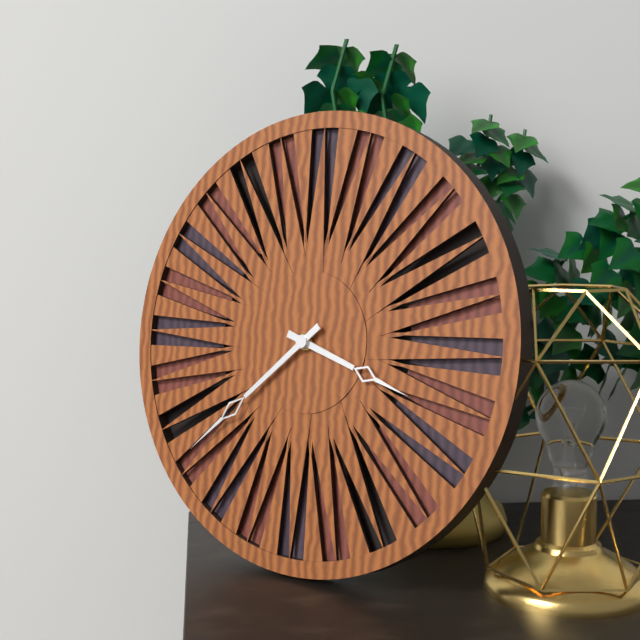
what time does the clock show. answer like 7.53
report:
3.38
